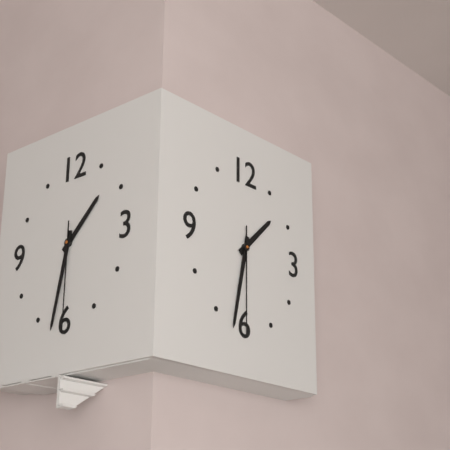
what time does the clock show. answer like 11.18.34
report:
1.32.30
